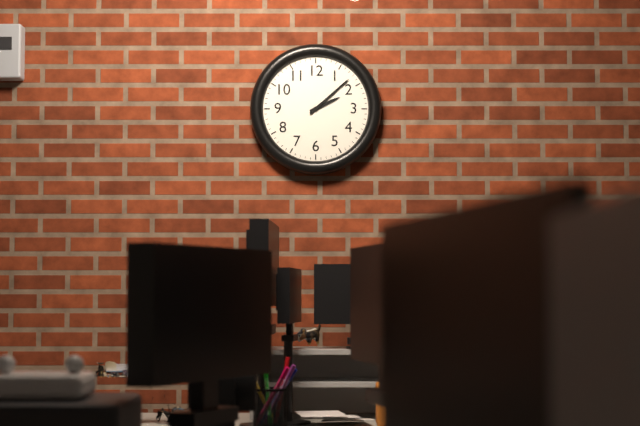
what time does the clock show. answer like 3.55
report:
2.08
